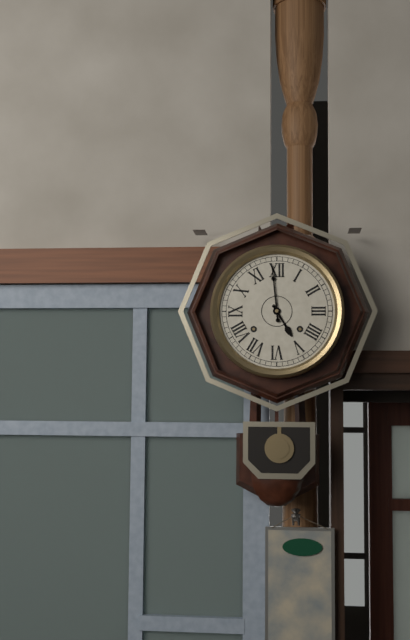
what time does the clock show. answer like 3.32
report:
4.59
